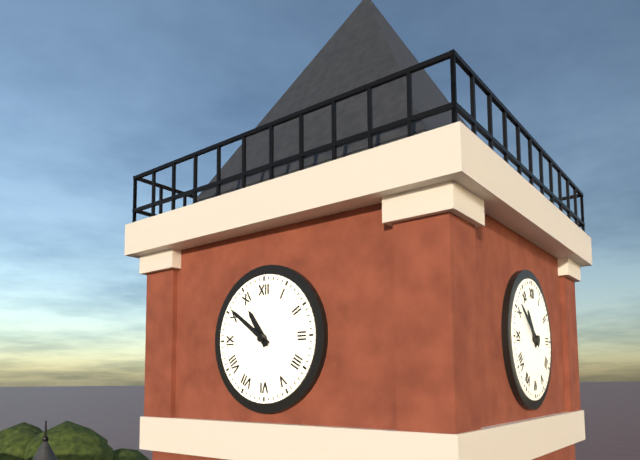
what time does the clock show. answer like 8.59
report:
10.51
